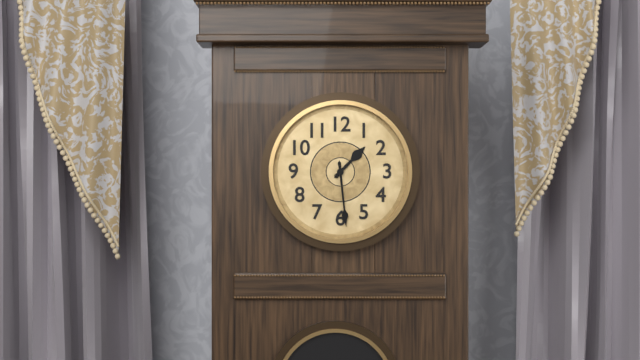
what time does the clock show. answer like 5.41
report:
1.29
